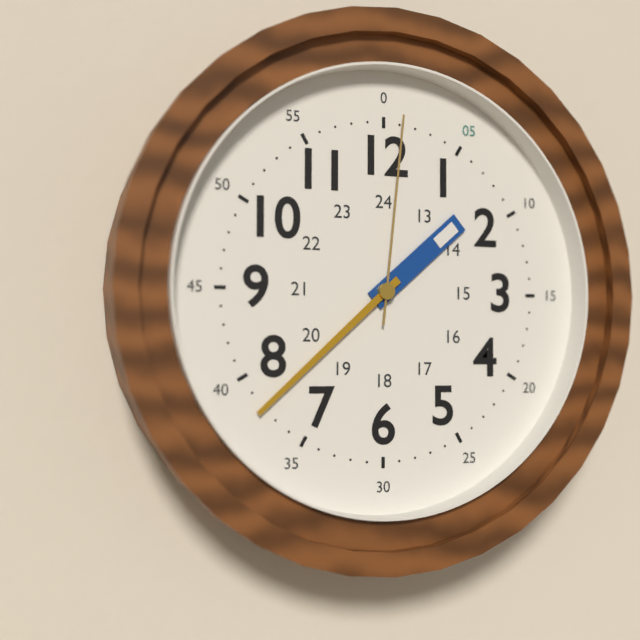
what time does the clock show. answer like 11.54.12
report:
1.38.01
